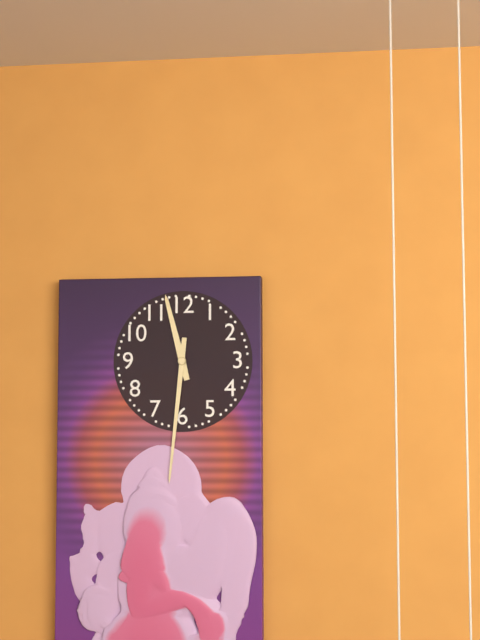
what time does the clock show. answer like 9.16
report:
11.31
